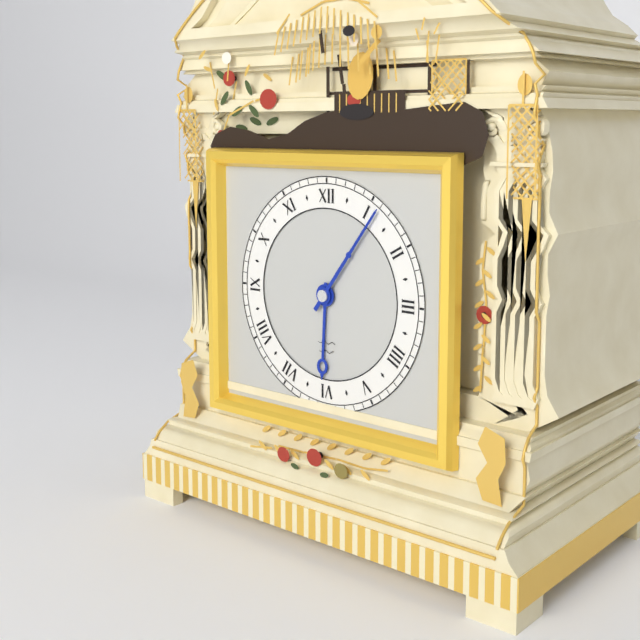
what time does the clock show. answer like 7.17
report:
6.06
